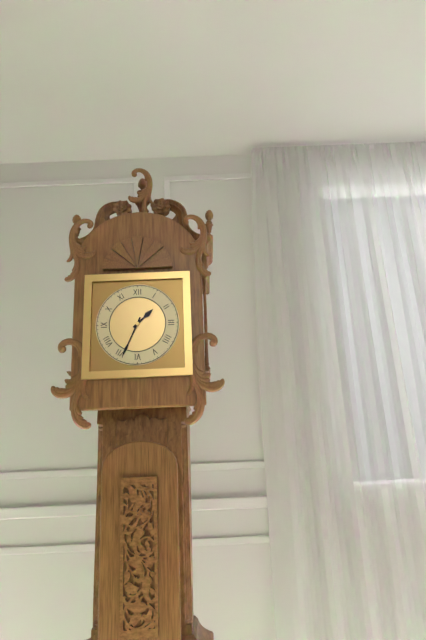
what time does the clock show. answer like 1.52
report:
1.34
